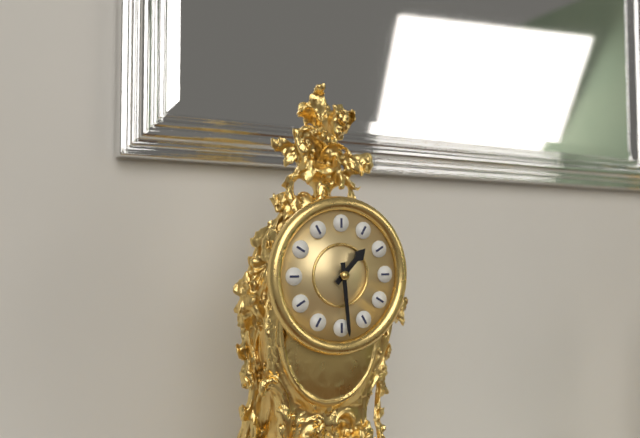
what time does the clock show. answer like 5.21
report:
1.29
